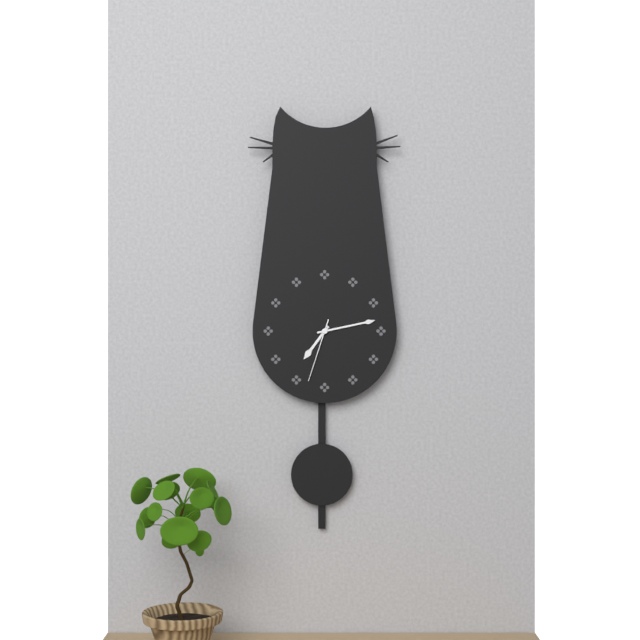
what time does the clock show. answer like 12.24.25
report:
7.13.33
